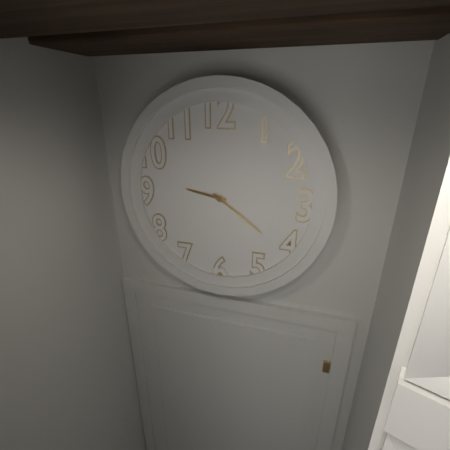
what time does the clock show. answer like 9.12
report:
9.21
